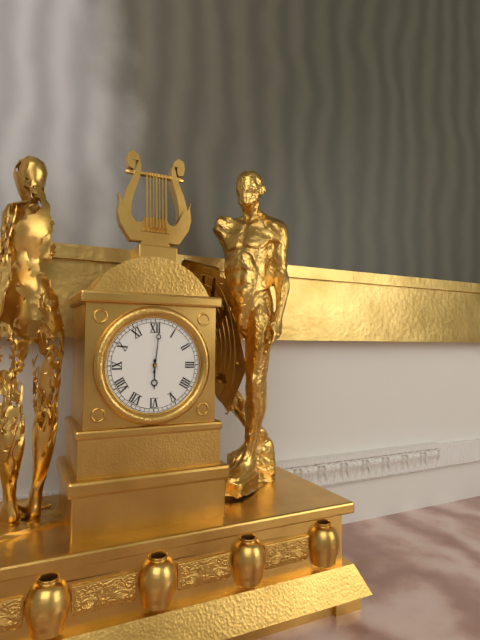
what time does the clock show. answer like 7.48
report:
6.01
